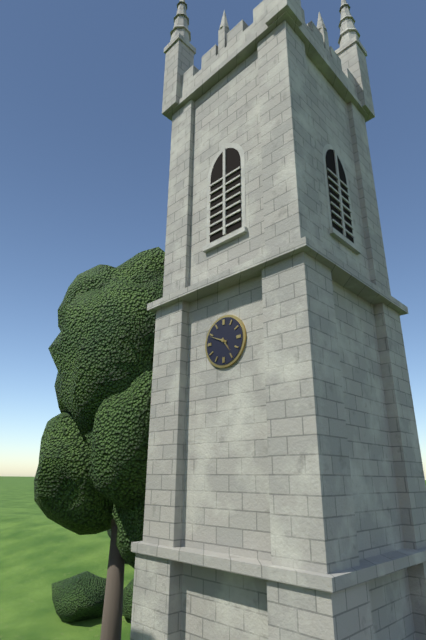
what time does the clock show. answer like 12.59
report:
4.49
